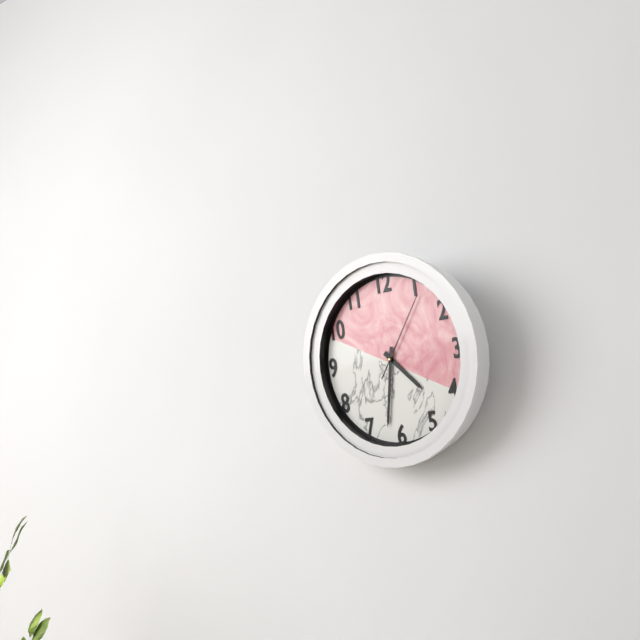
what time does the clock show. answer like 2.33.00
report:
4.32.06
